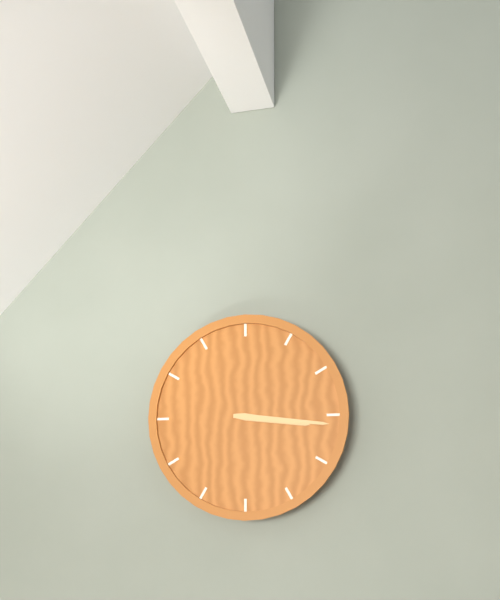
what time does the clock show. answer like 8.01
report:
3.16
